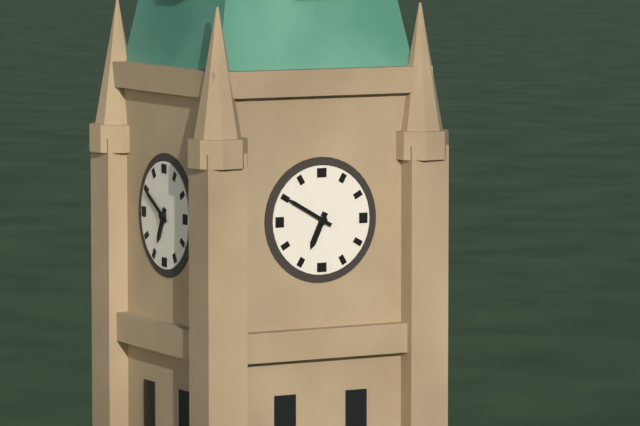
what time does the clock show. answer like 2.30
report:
6.50
